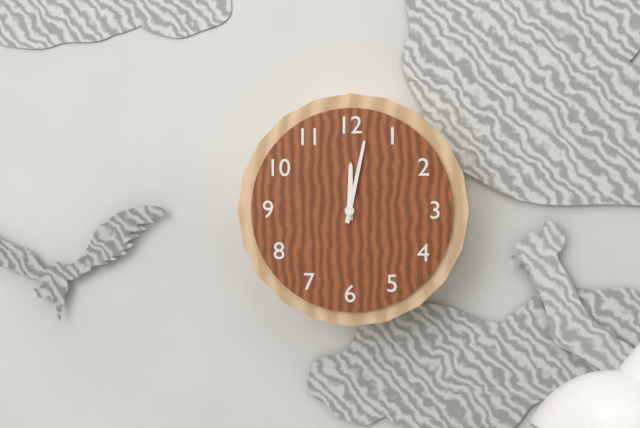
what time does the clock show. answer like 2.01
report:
12.02
